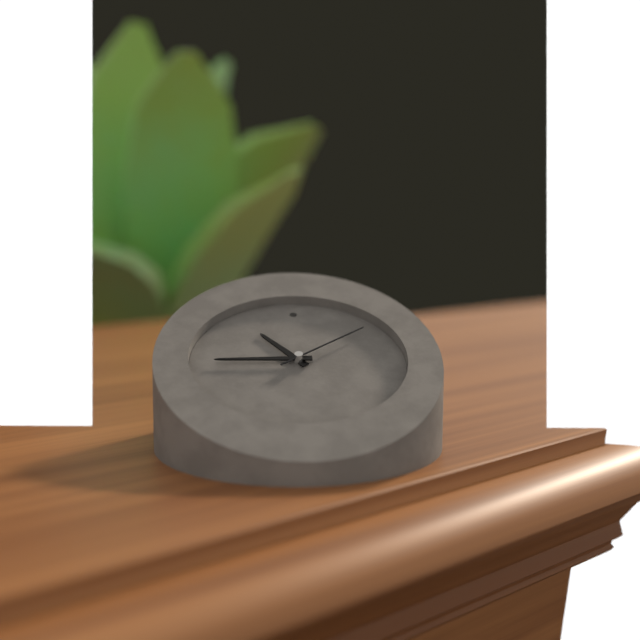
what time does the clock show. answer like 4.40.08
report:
10.45.09
